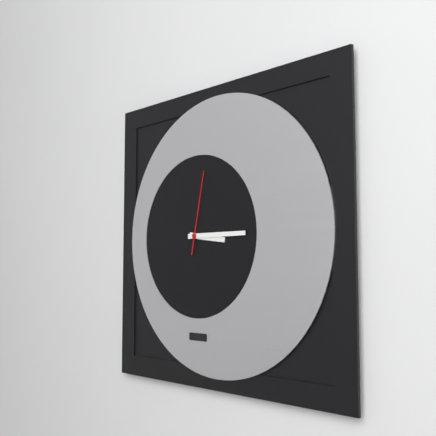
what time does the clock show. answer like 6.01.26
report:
3.15.02
